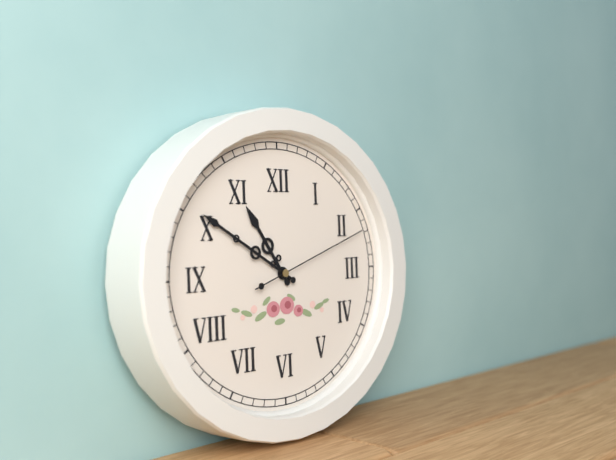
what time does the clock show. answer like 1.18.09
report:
10.50.12
